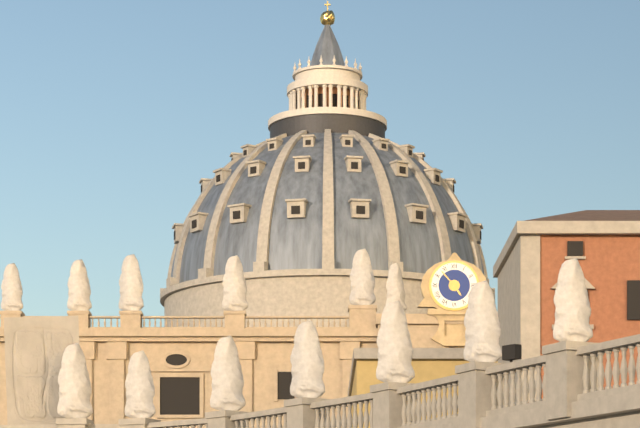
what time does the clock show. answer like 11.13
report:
4.53
